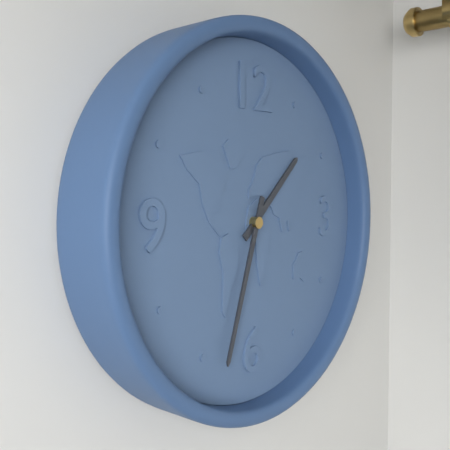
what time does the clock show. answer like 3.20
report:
1.33
